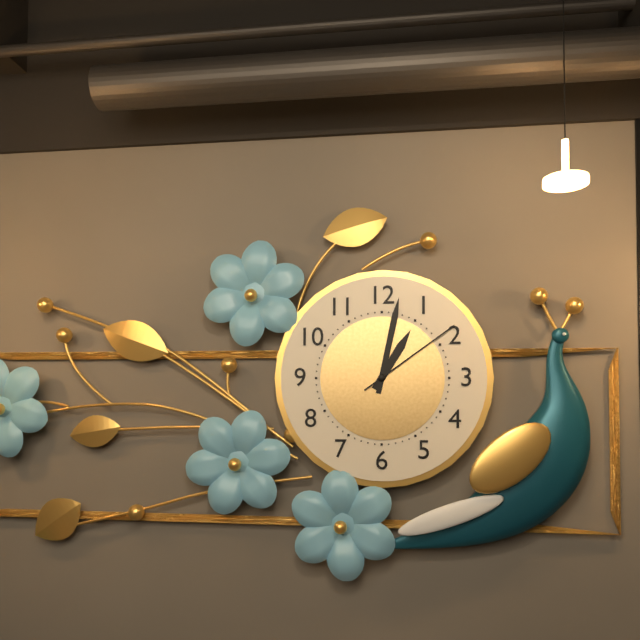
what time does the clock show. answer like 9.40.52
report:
1.02.09
